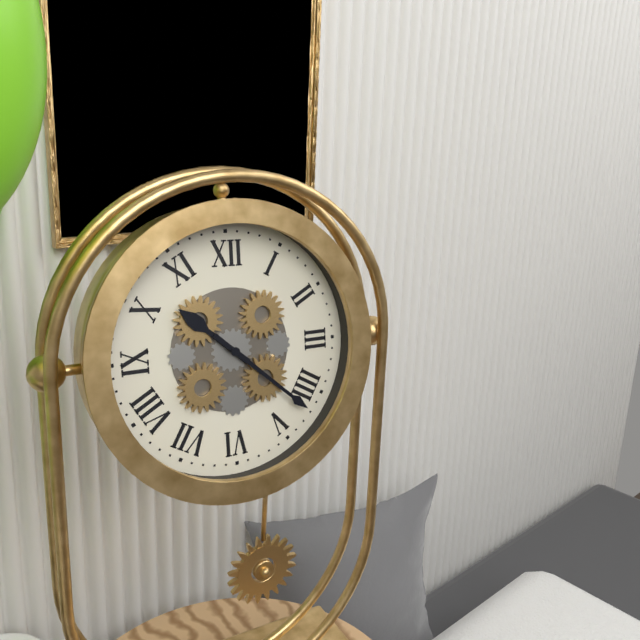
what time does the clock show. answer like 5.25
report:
10.22
